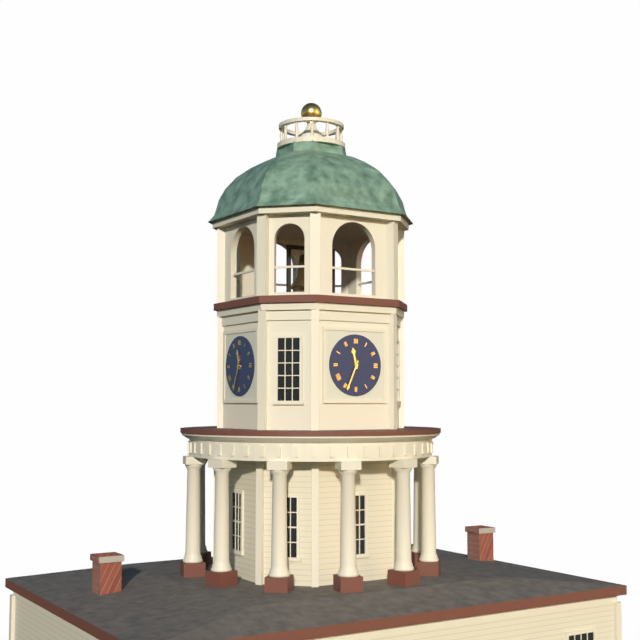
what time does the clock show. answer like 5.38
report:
11.34
